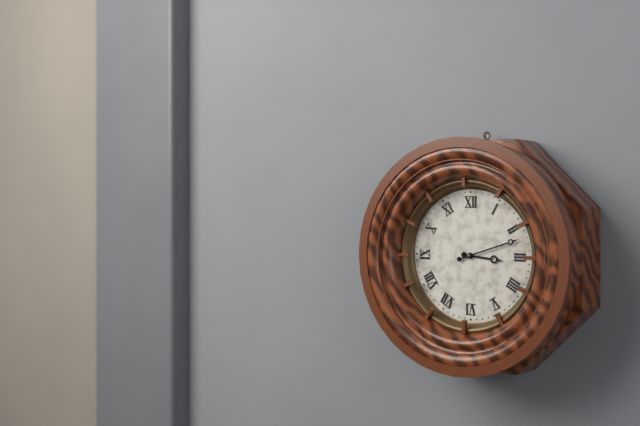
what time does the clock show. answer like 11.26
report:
3.12
